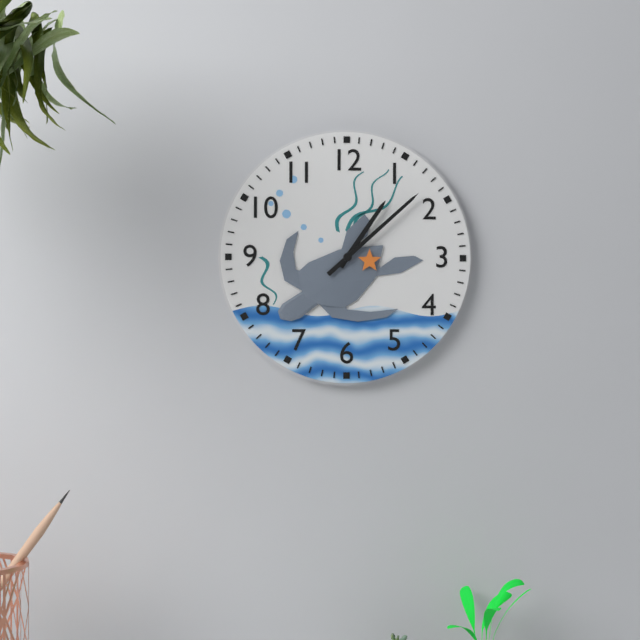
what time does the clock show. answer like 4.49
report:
1.08
